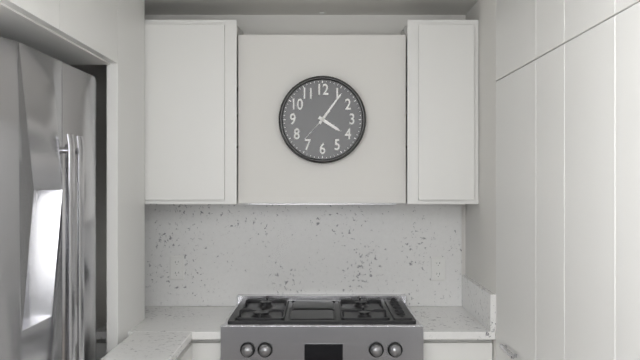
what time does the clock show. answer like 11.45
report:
4.06
